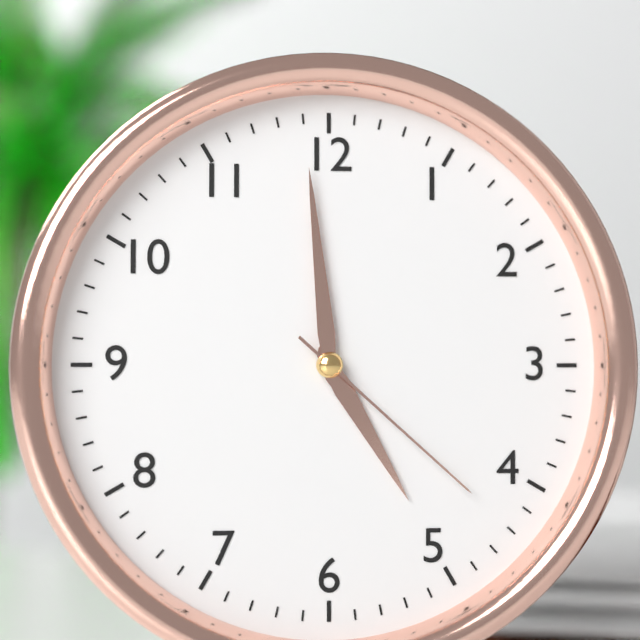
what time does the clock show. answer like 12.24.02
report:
4.59.22
